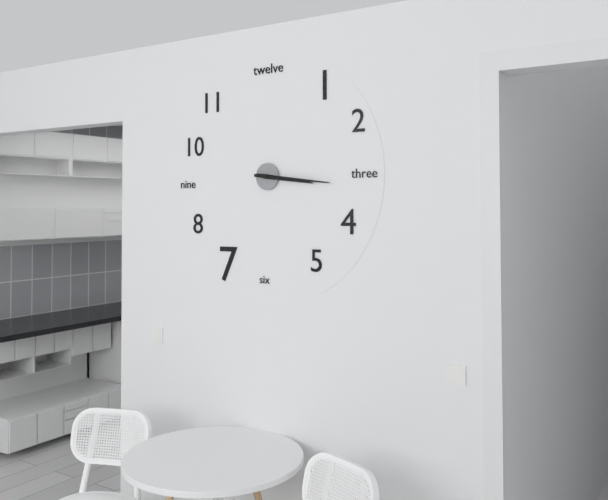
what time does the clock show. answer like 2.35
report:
3.16
